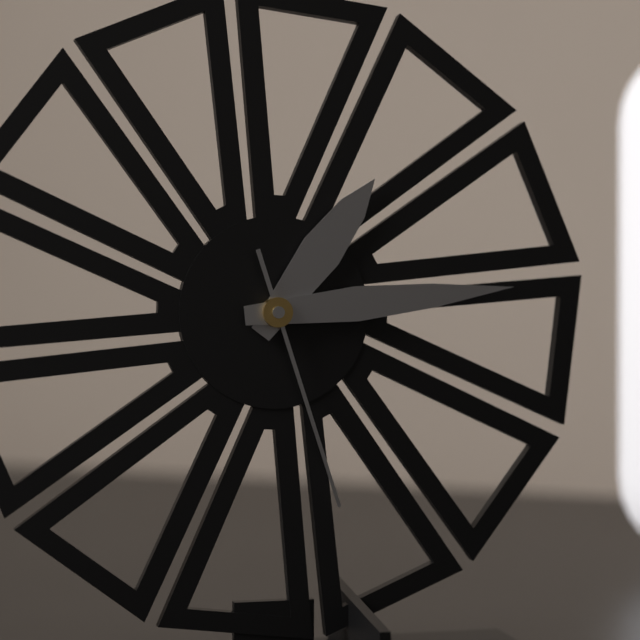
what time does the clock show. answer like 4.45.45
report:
1.14.27
